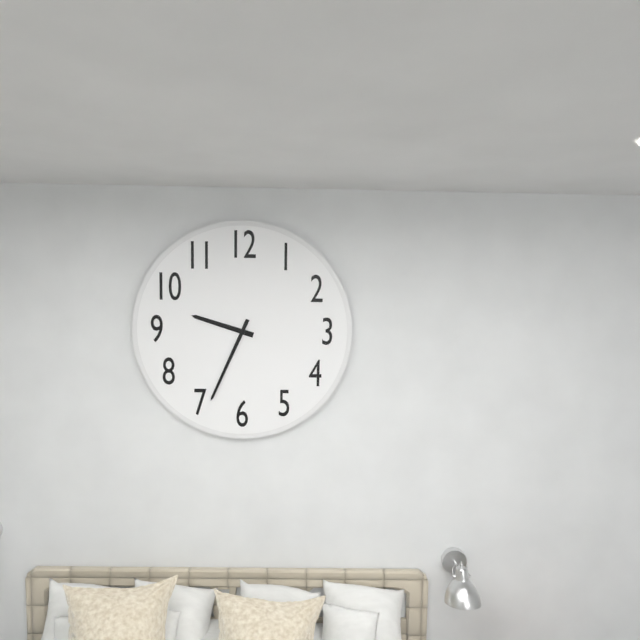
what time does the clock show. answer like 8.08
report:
9.34
